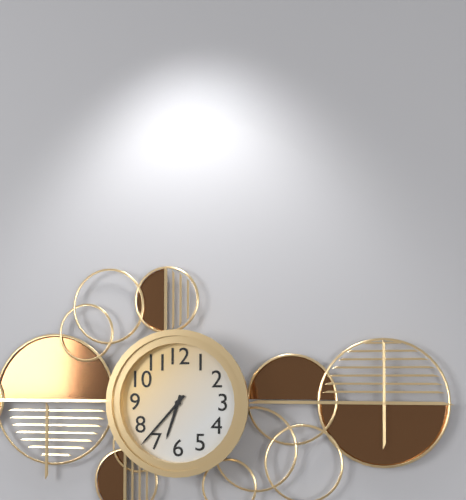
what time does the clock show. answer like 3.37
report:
6.37
